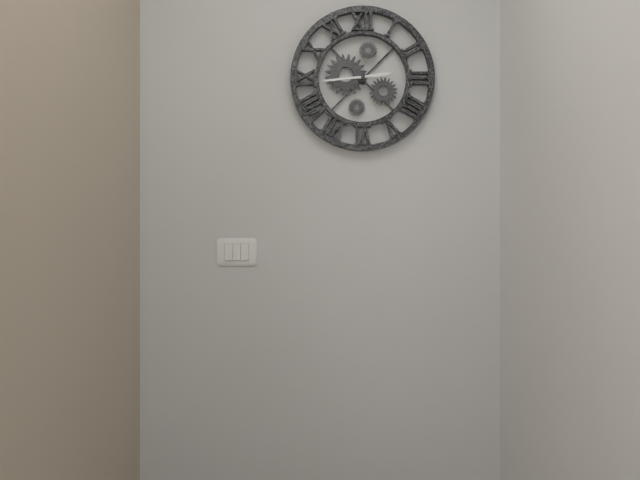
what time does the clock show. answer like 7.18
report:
2.44
